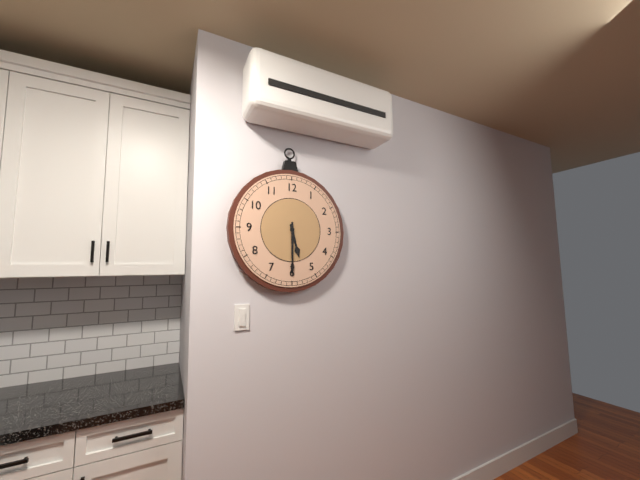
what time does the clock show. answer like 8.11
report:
5.30
